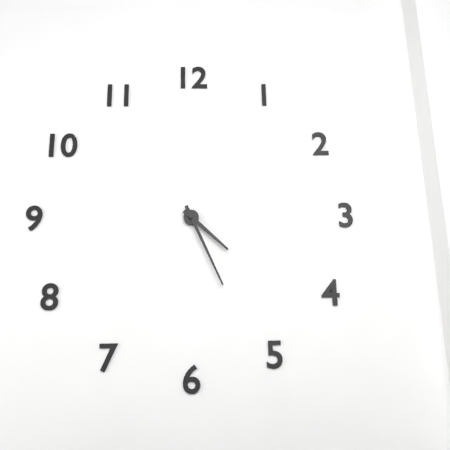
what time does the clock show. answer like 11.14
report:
4.26
